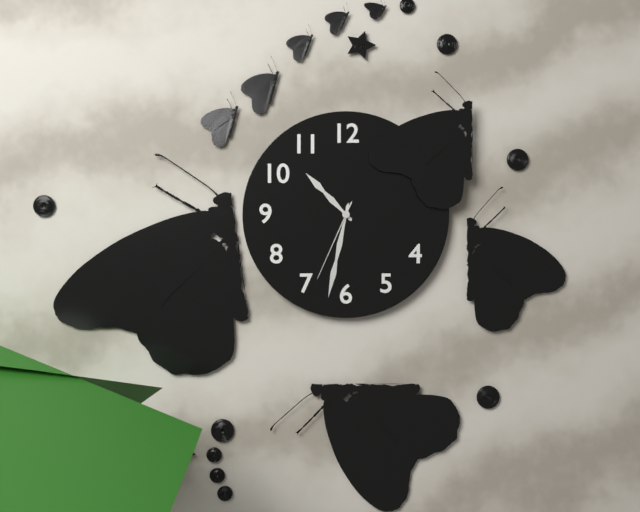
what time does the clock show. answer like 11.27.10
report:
10.32.34
